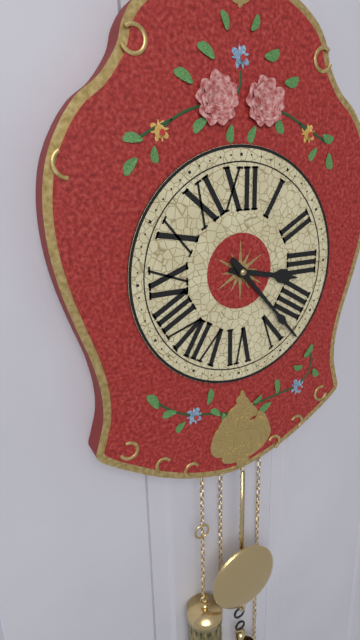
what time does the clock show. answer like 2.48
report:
3.23
